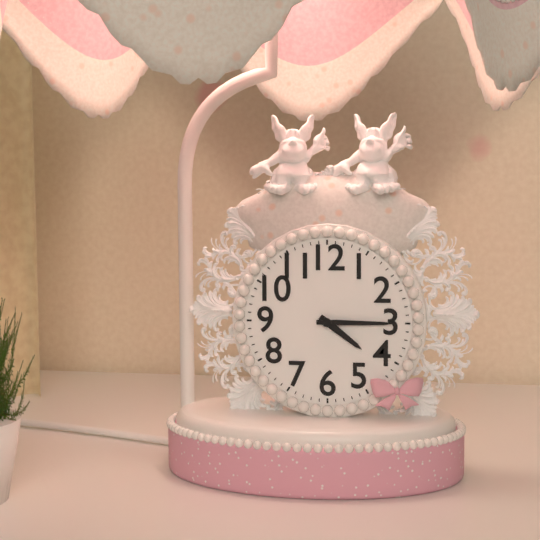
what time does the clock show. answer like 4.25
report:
4.15
